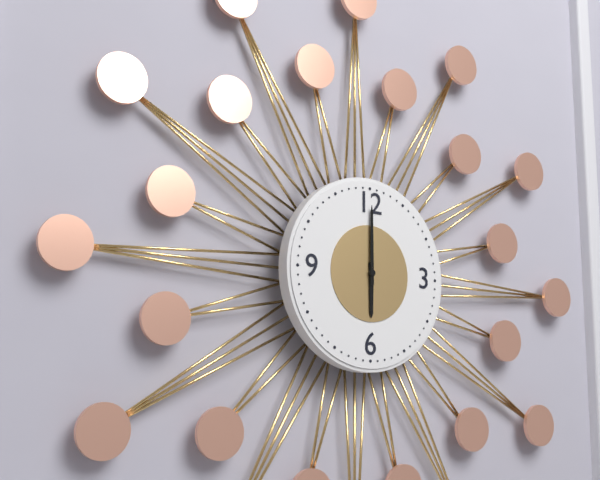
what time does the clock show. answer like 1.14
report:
6.00
